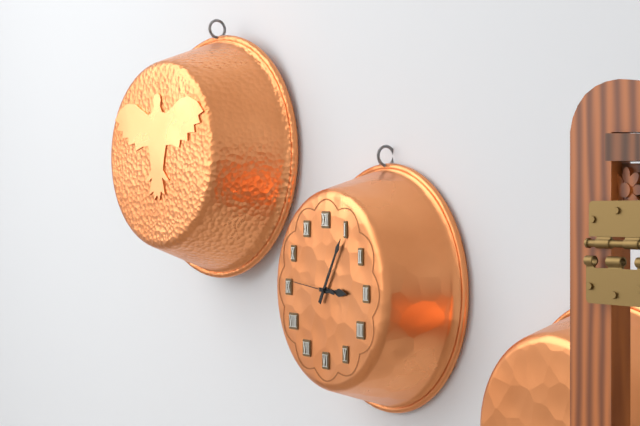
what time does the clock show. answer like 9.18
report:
3.05
